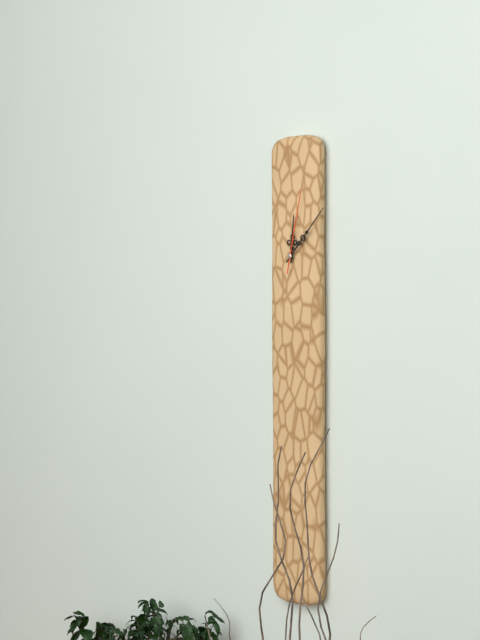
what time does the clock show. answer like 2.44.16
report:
12.07.02
